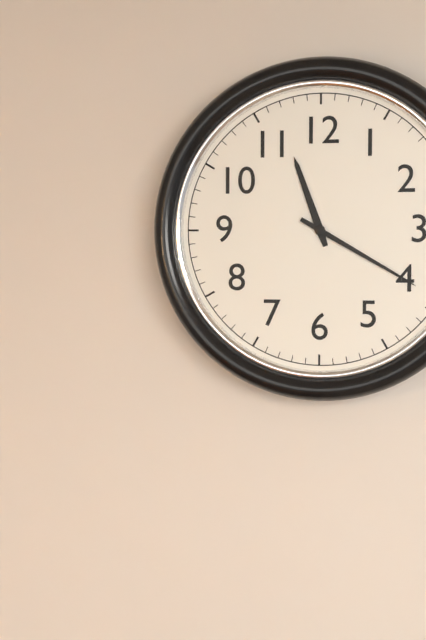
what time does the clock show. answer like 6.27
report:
11.20
